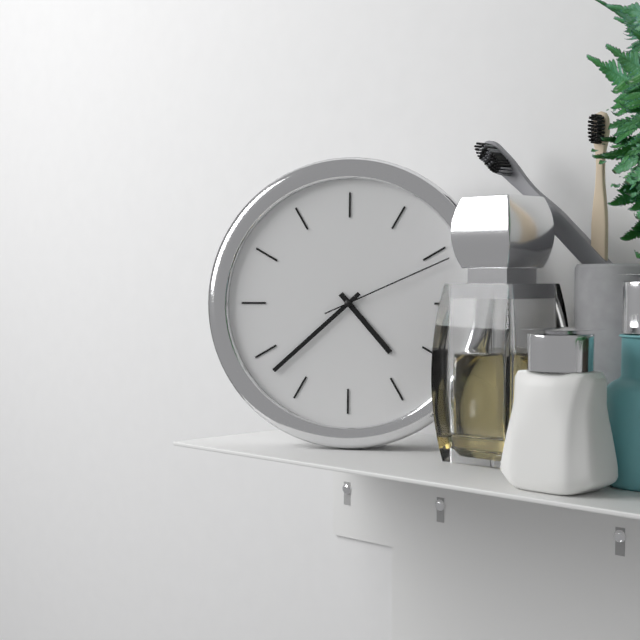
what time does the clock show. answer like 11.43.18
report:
4.38.11
